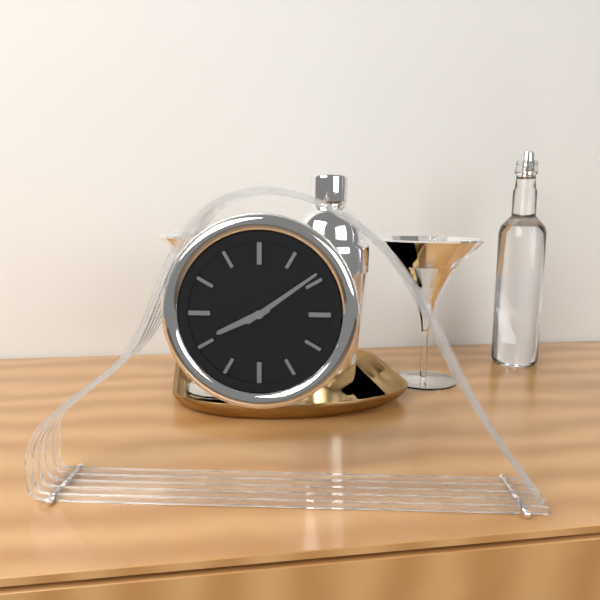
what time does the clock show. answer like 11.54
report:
8.09
